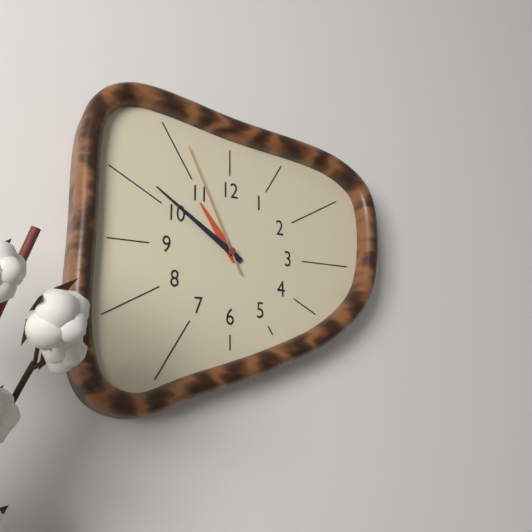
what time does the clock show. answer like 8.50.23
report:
10.51.56
